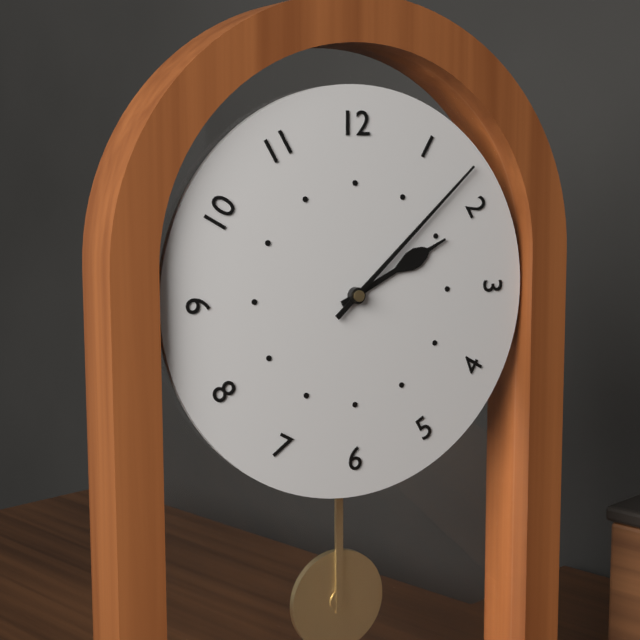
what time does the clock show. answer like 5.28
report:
2.08
